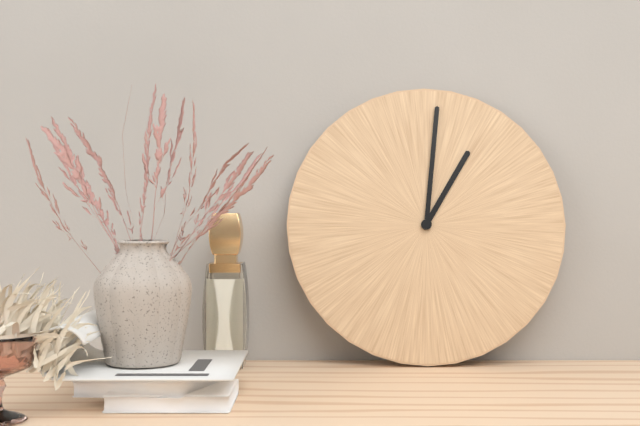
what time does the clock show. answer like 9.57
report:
1.01
